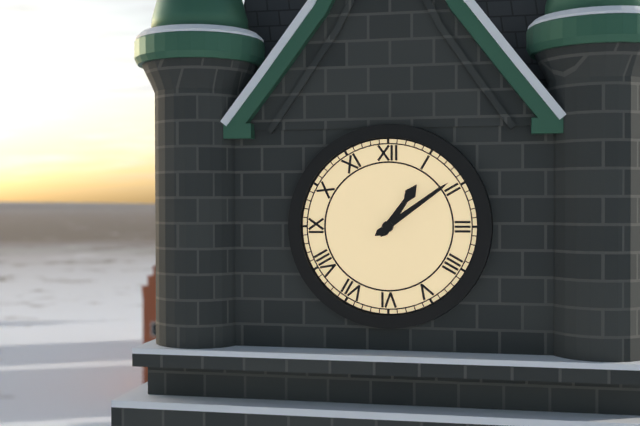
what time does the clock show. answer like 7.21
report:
1.09
